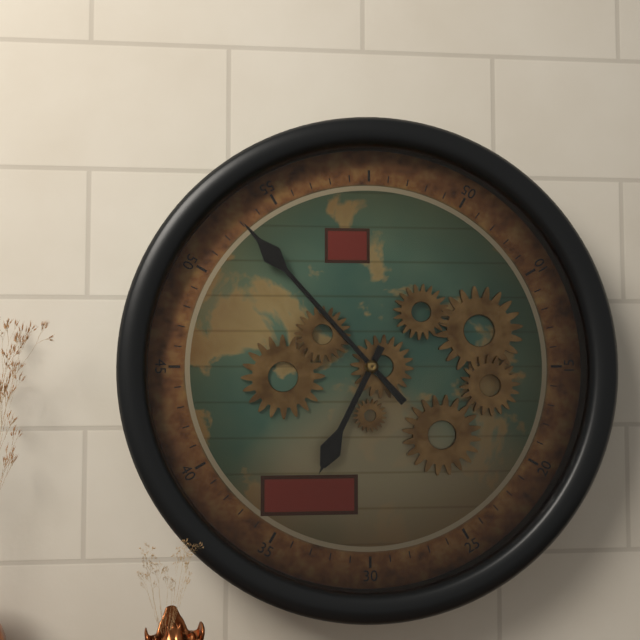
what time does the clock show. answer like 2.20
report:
6.53
